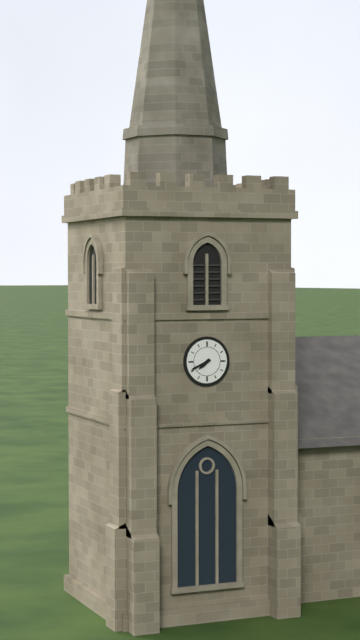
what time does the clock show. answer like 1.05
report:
7.41
